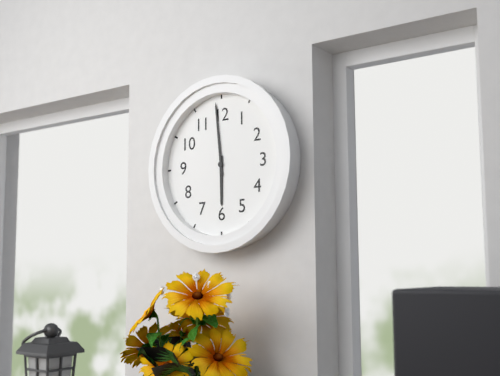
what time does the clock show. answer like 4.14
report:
5.59
